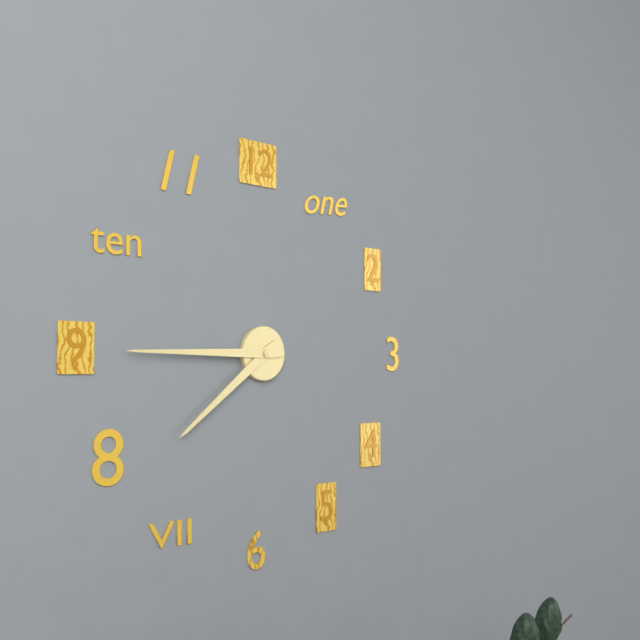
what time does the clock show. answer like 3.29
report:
7.45
